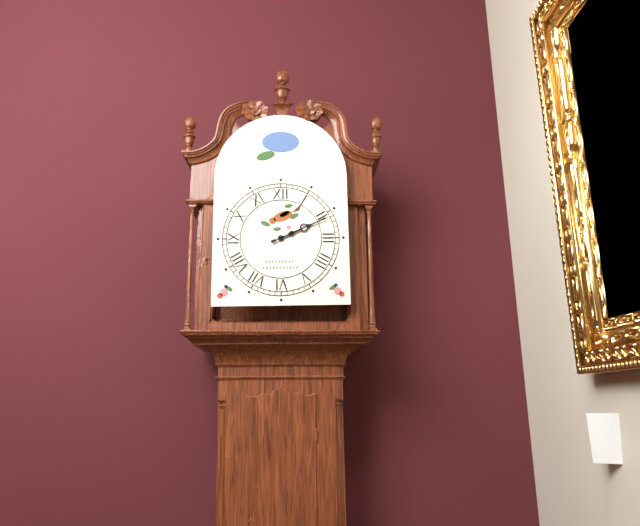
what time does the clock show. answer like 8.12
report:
2.11
